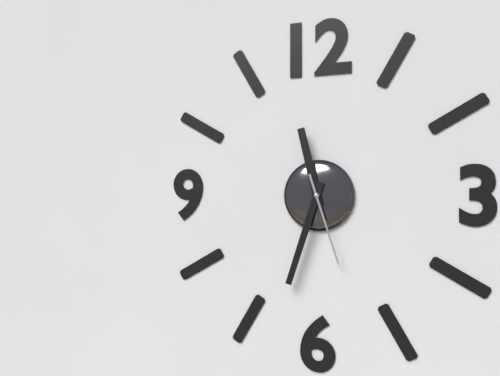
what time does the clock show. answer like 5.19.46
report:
11.33.27
